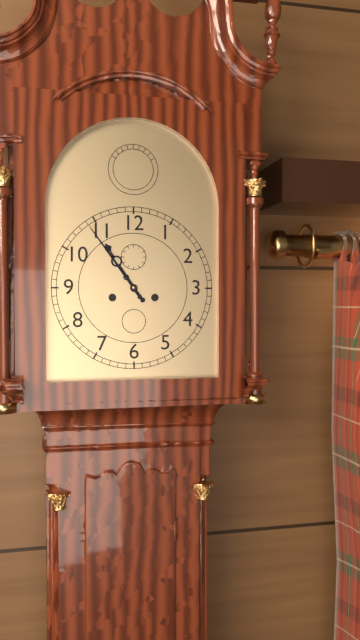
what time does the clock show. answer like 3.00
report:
10.54
